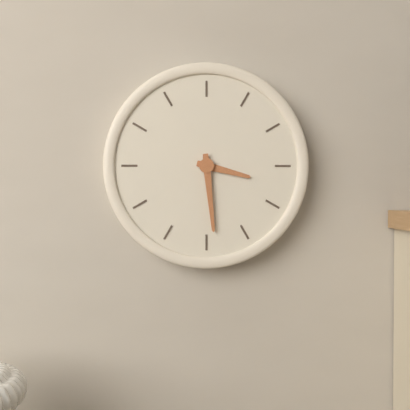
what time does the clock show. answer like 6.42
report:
3.29
